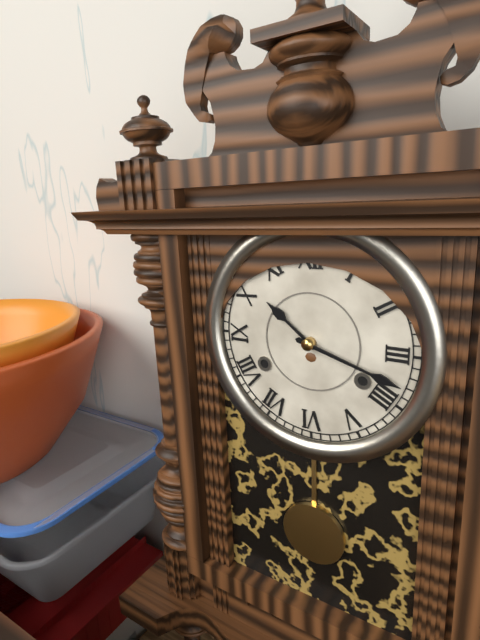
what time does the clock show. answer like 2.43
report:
10.18
